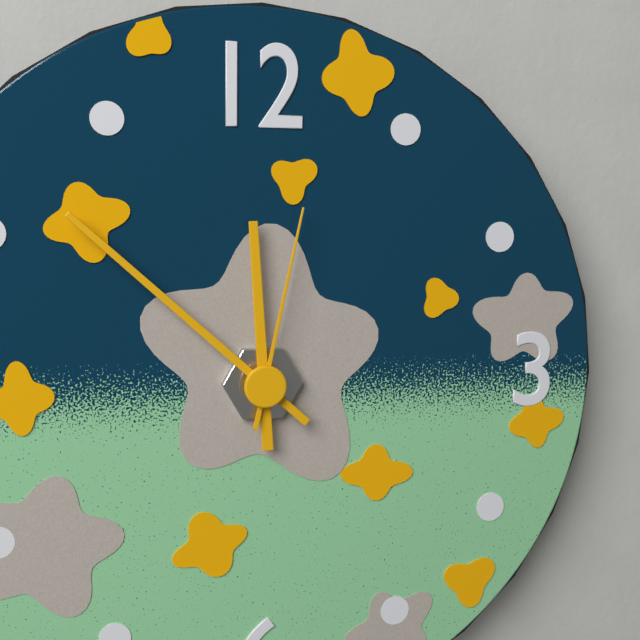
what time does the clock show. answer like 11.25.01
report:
11.52.02
